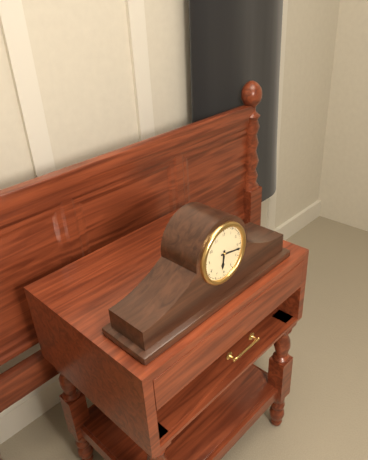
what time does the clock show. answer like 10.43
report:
6.17
